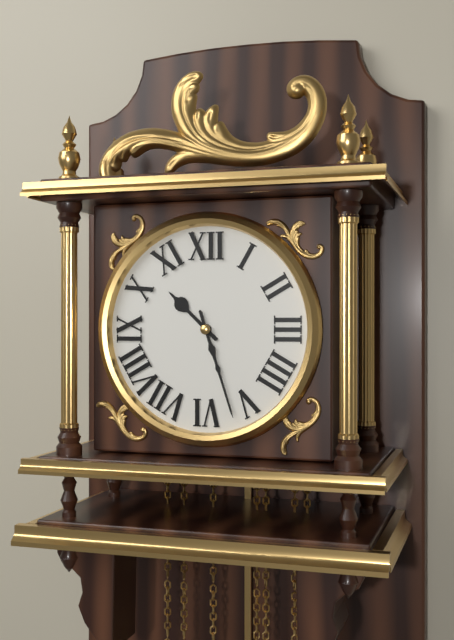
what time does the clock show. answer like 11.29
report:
10.27
